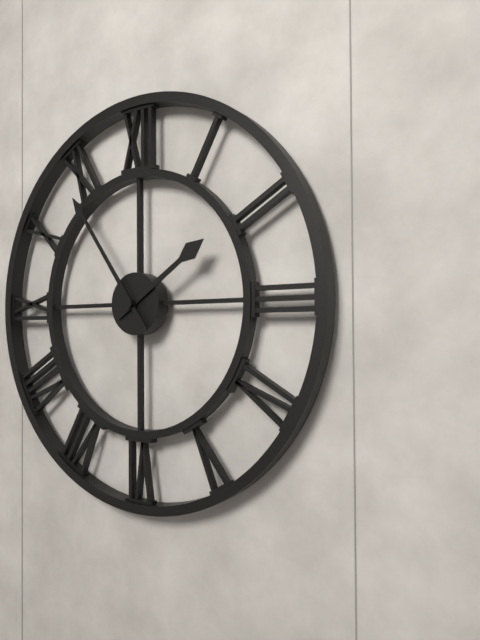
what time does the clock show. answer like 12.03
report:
1.54
